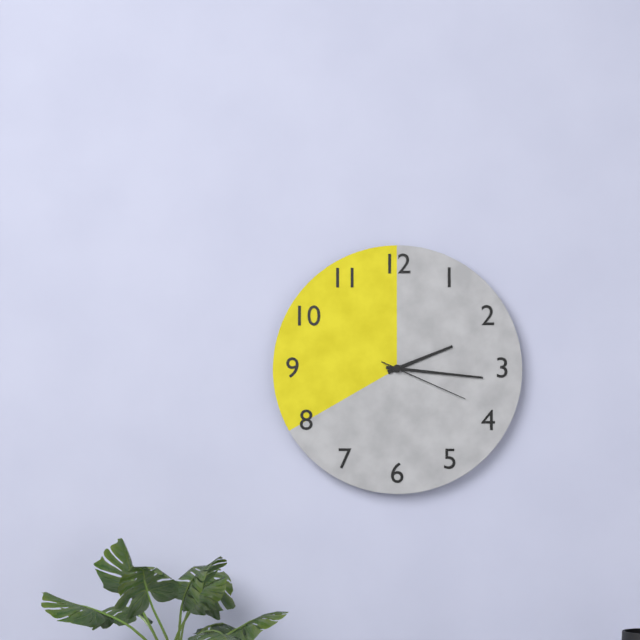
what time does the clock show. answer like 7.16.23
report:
2.16.19
